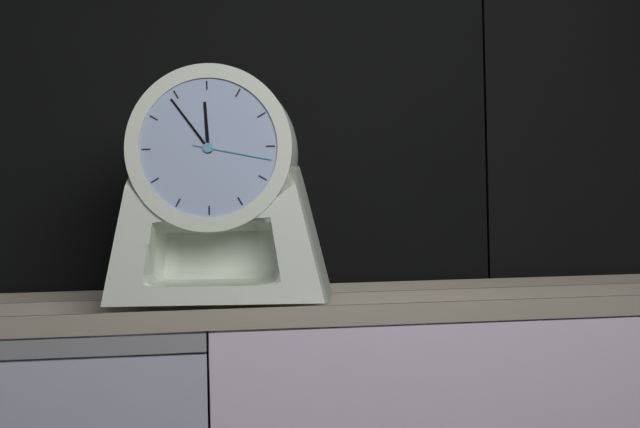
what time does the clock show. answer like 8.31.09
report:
11.54.17
